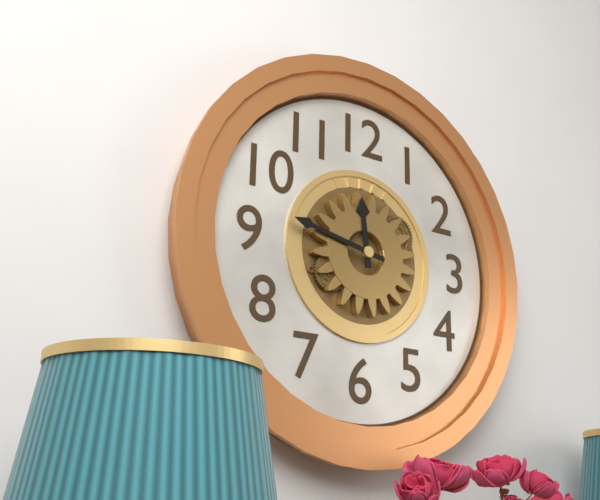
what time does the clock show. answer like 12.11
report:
11.47
